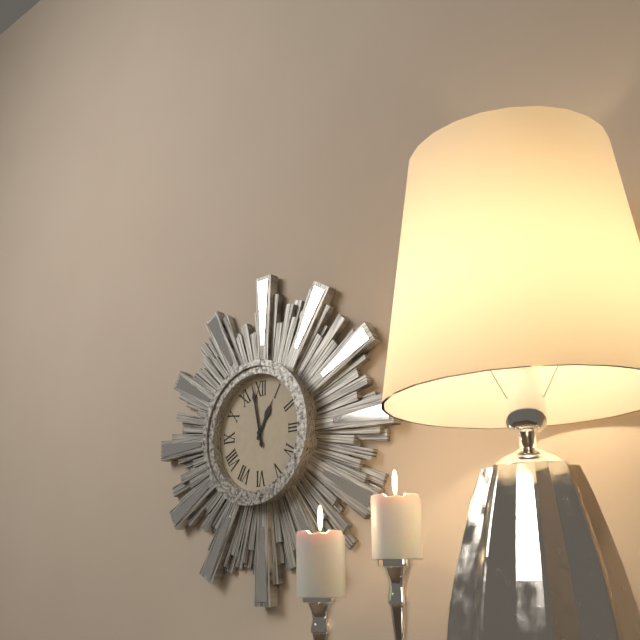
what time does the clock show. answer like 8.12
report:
12.58
